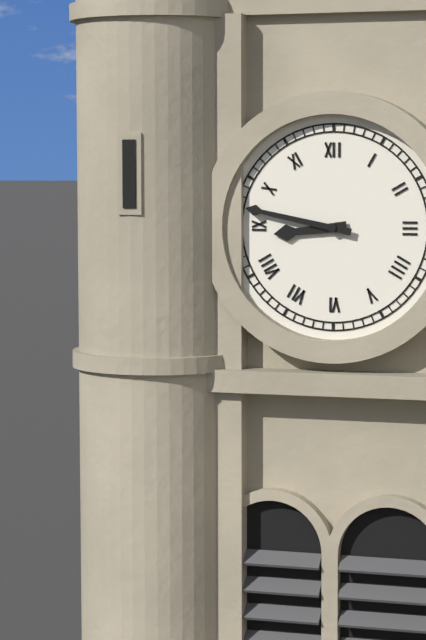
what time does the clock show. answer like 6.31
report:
8.47
